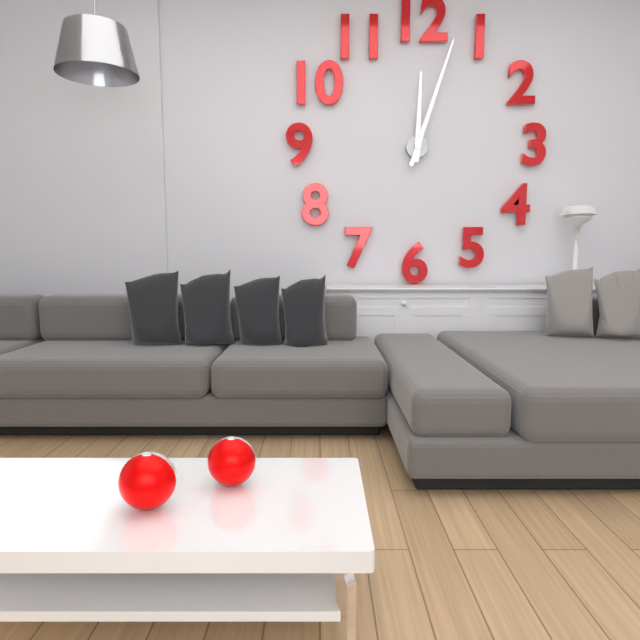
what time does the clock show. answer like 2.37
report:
12.03
